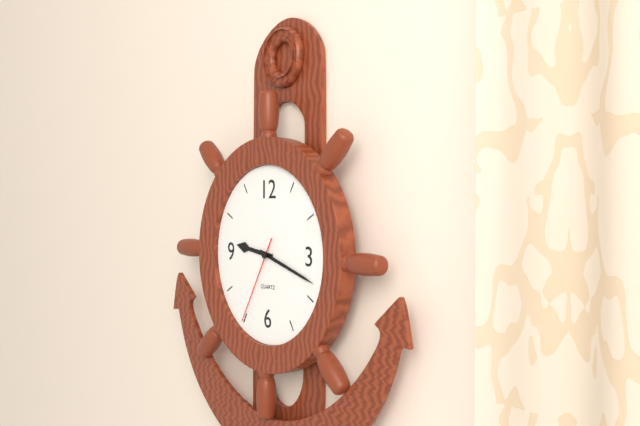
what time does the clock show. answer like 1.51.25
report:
9.18.35
